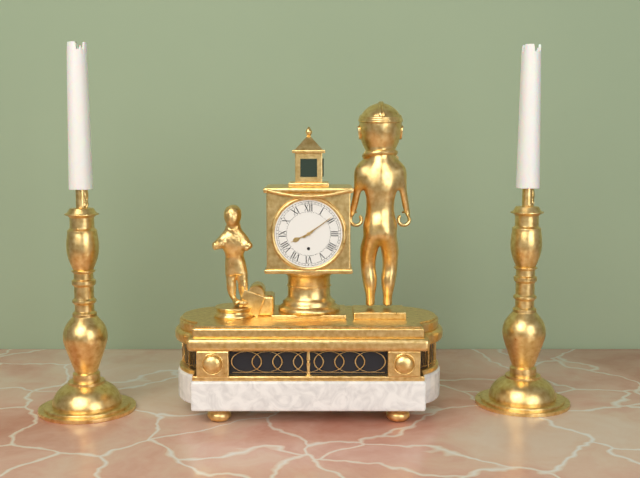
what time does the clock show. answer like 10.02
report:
8.09
